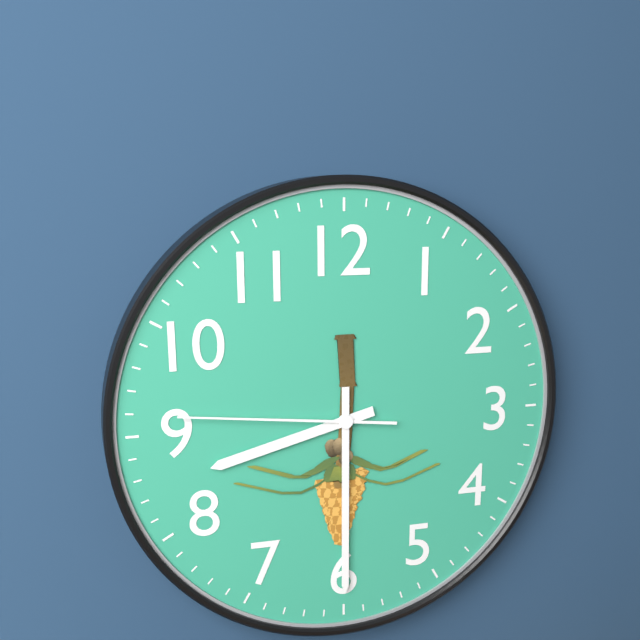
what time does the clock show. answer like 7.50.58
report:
8.30.46
